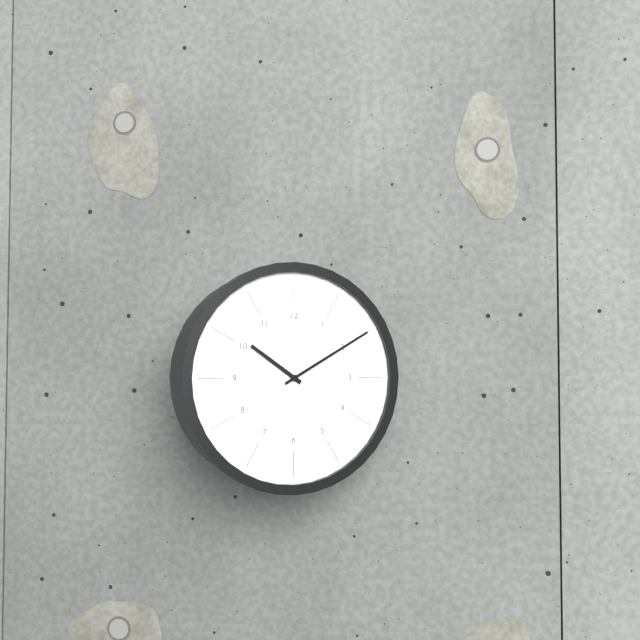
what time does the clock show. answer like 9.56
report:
10.10
